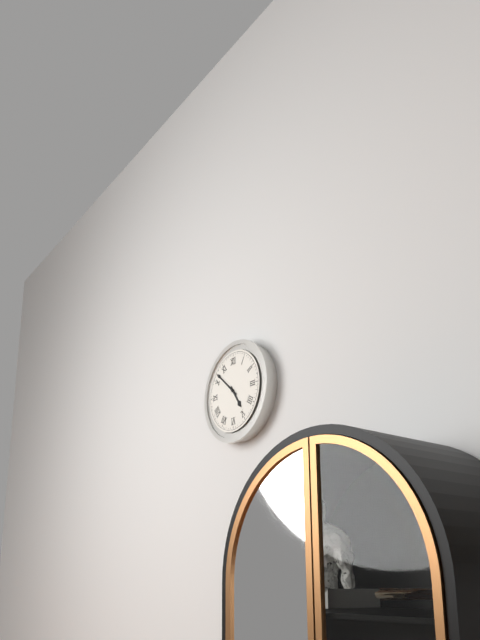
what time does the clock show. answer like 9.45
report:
4.52
